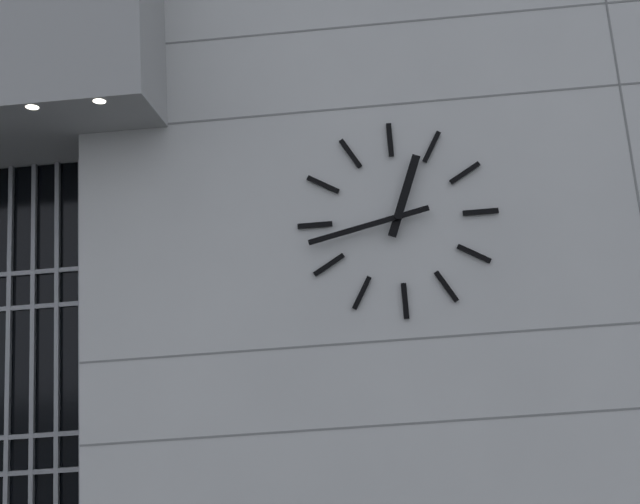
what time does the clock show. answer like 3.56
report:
12.43
